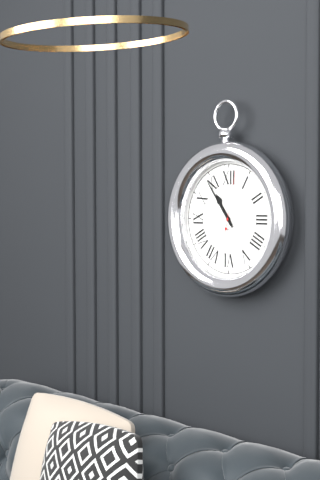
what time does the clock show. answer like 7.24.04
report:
10.54.02
